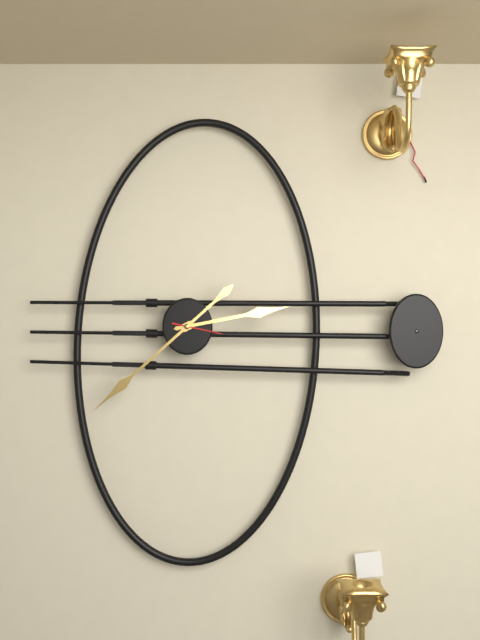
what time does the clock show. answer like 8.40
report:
2.38
